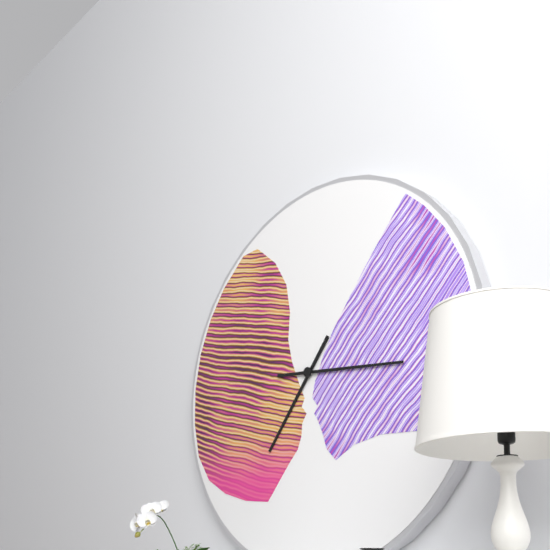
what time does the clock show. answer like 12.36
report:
7.16
